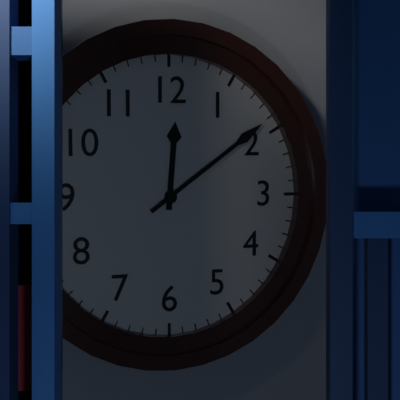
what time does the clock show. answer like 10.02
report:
12.09
